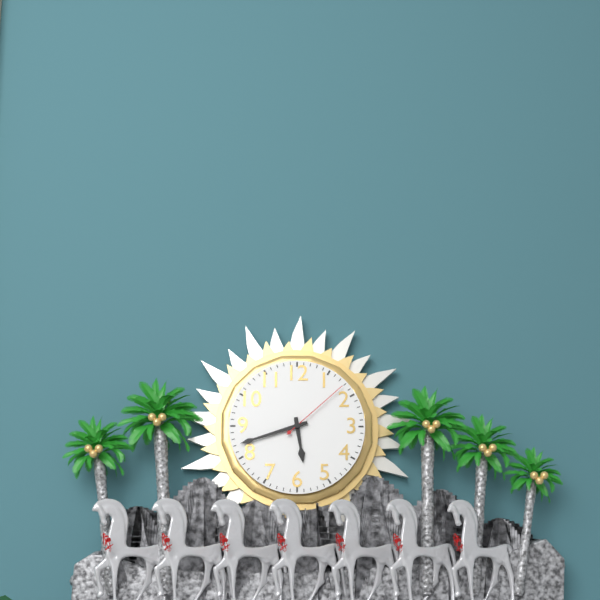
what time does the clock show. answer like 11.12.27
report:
5.42.08
